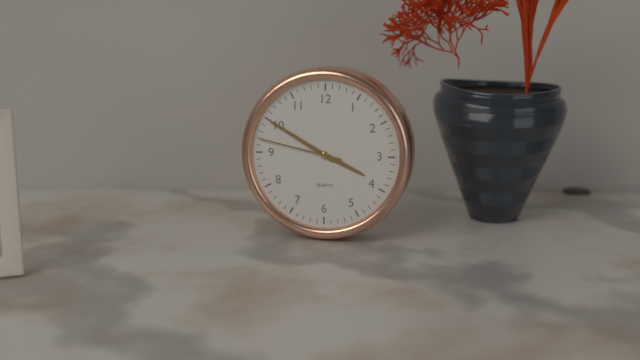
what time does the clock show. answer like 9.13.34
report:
3.50.47
